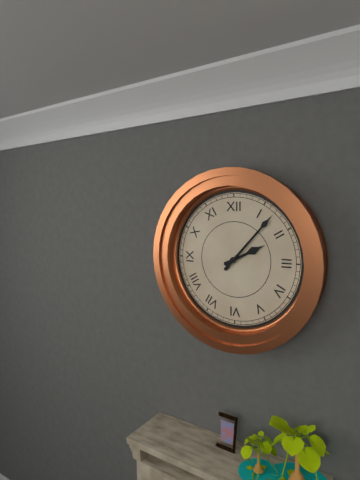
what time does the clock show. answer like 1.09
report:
2.07
